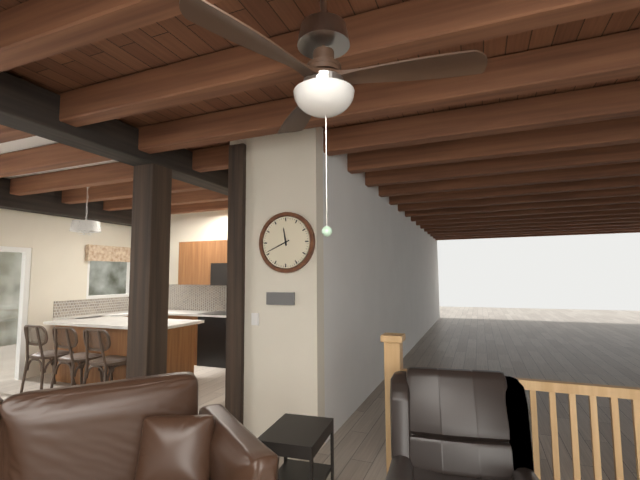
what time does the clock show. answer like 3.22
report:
11.41
